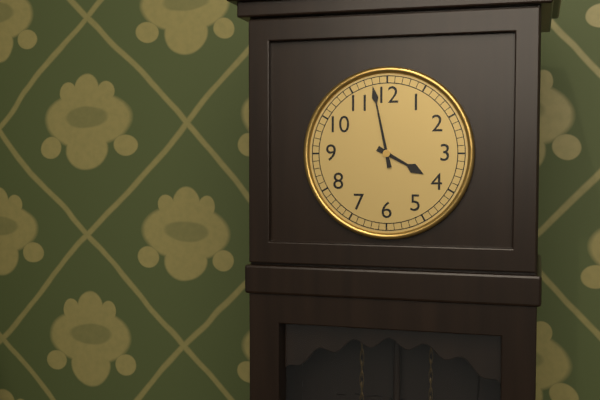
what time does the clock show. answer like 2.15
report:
3.58
